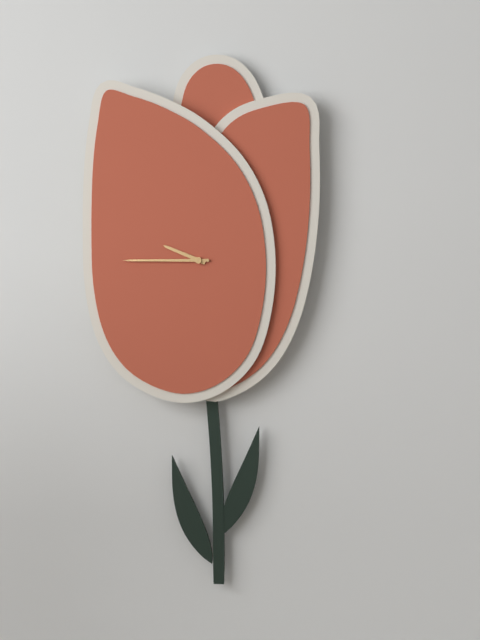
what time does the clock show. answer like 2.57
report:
9.45
